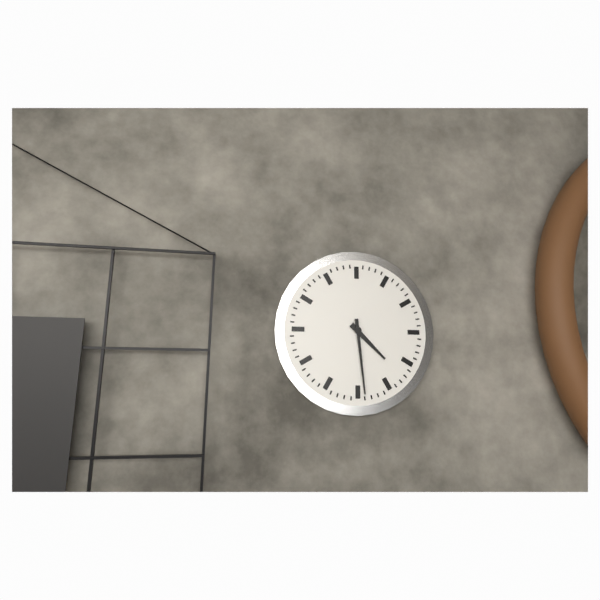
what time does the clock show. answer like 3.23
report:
4.29
